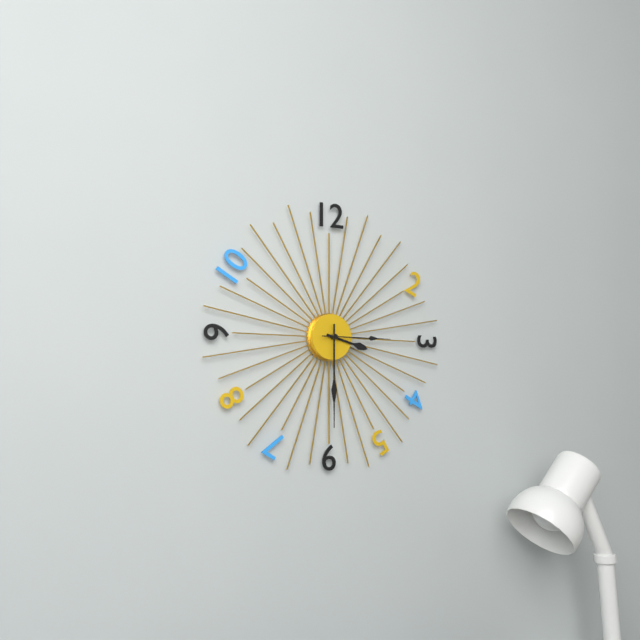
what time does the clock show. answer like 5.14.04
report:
3.30.15
